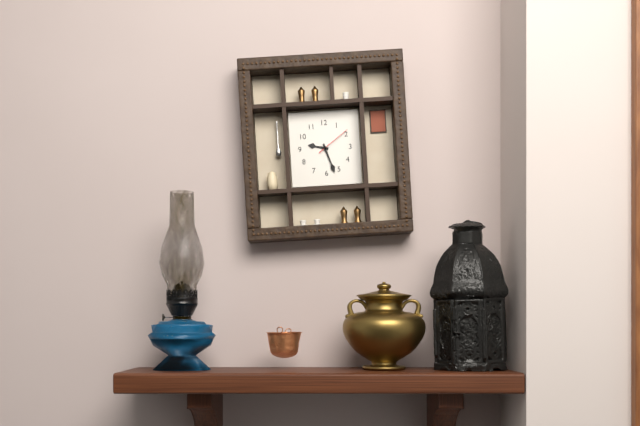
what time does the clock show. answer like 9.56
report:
9.27
